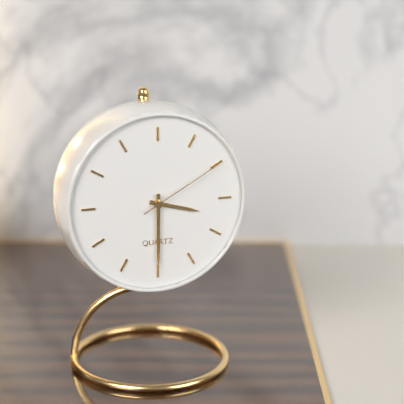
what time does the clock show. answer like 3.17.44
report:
3.30.10
